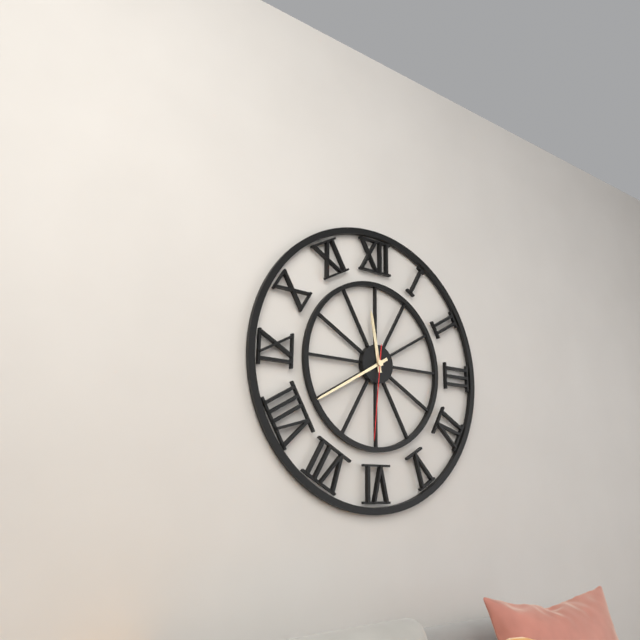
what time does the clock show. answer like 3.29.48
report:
11.40.31
